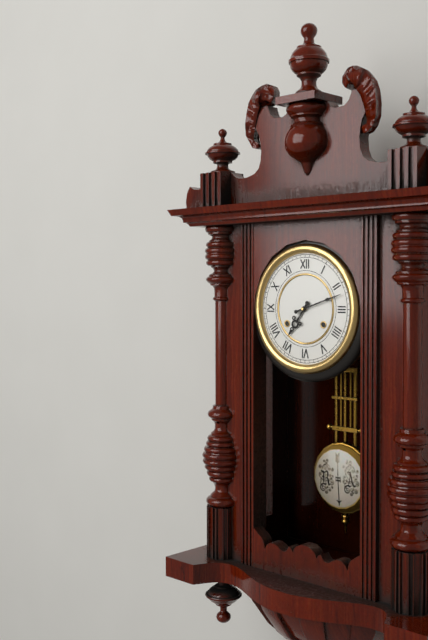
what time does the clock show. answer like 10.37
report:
7.12
